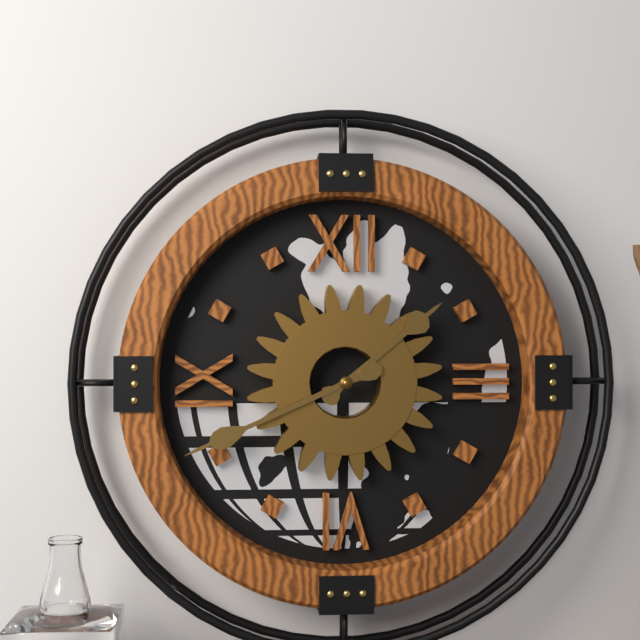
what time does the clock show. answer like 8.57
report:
1.41
